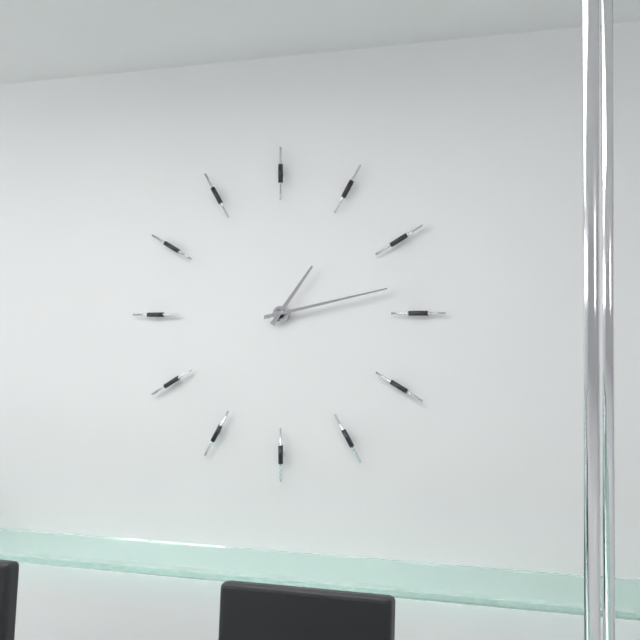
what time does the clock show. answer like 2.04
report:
1.13
